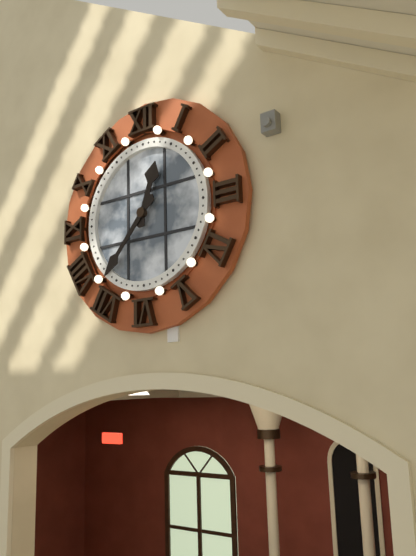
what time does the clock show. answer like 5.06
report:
12.37
